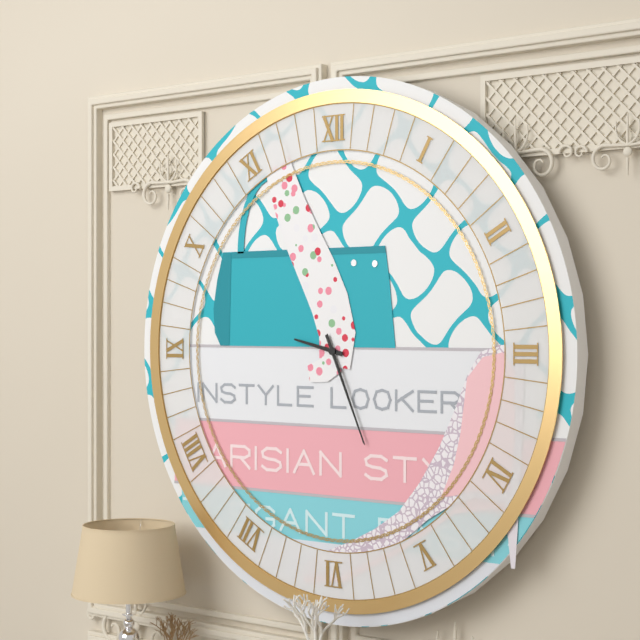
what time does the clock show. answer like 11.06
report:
9.26
